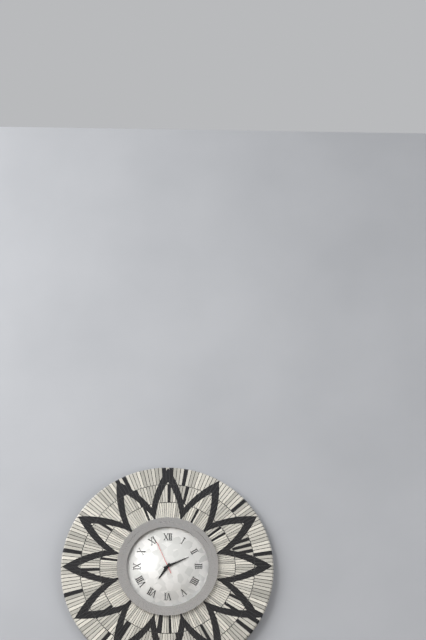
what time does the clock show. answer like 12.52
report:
7.11
